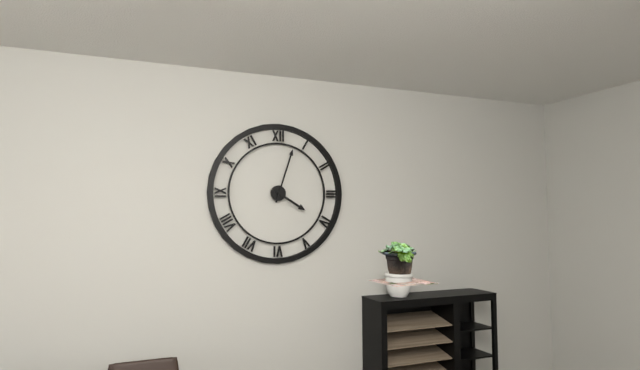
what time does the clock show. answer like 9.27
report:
4.03
